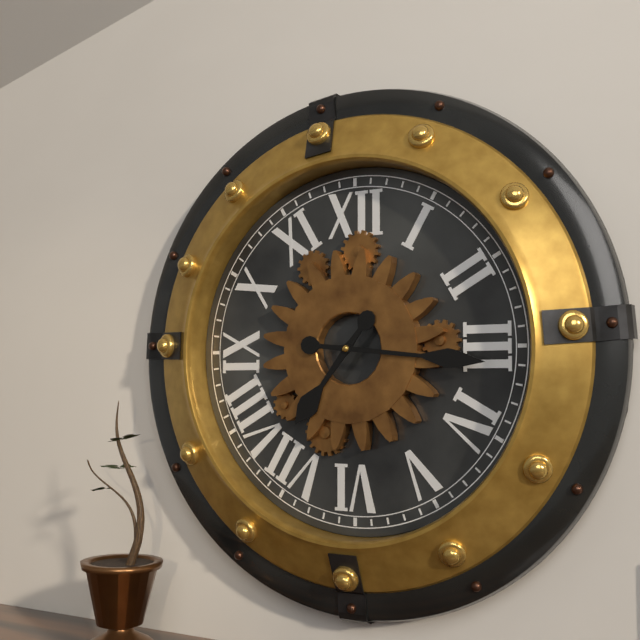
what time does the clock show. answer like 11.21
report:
7.16
